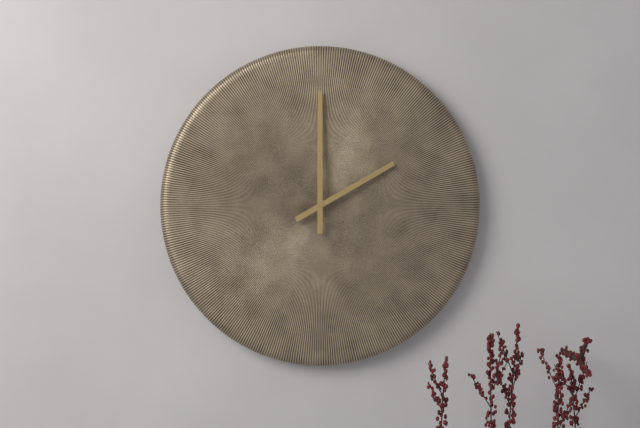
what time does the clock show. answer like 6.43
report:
2.00
